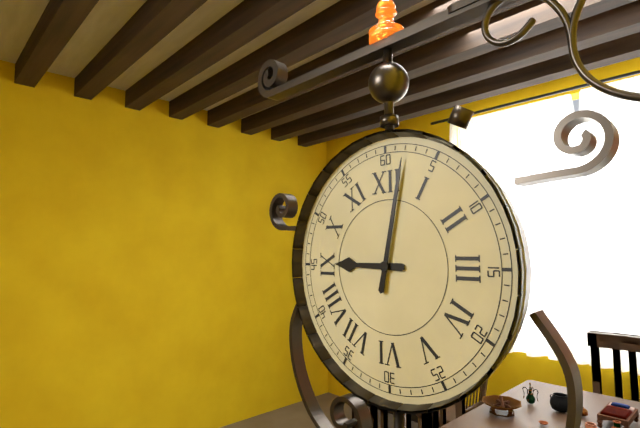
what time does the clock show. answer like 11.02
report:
9.02
